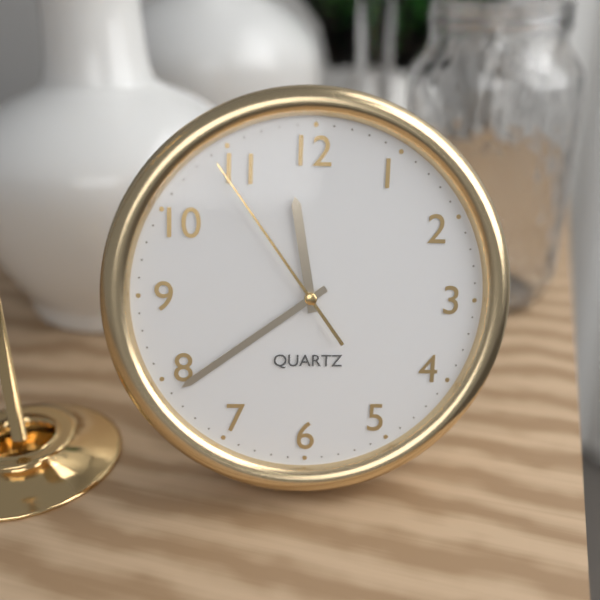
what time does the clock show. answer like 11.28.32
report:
11.39.54
